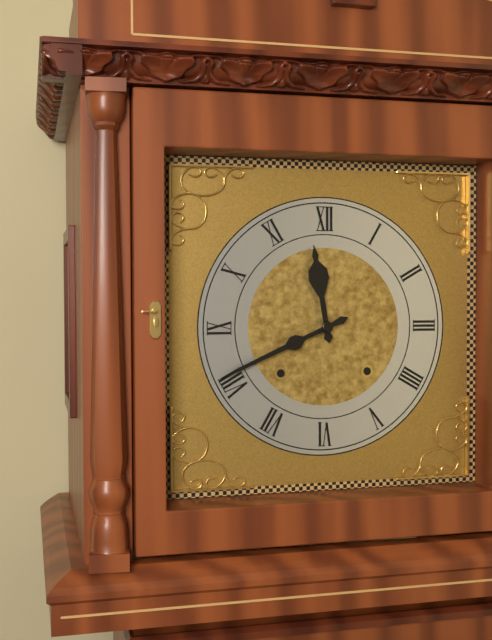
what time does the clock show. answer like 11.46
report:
11.41
